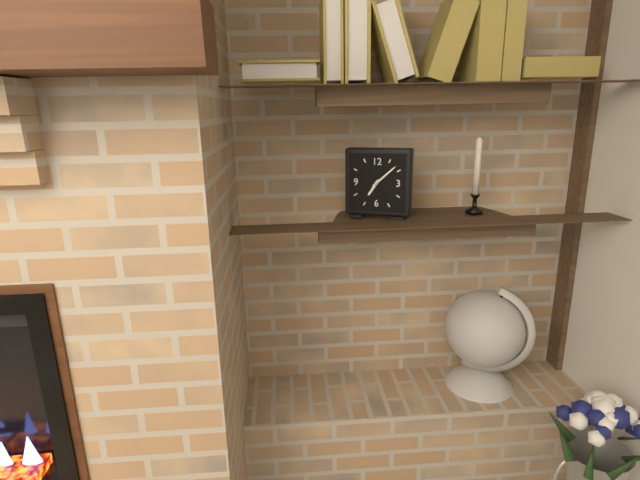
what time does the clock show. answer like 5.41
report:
7.08
